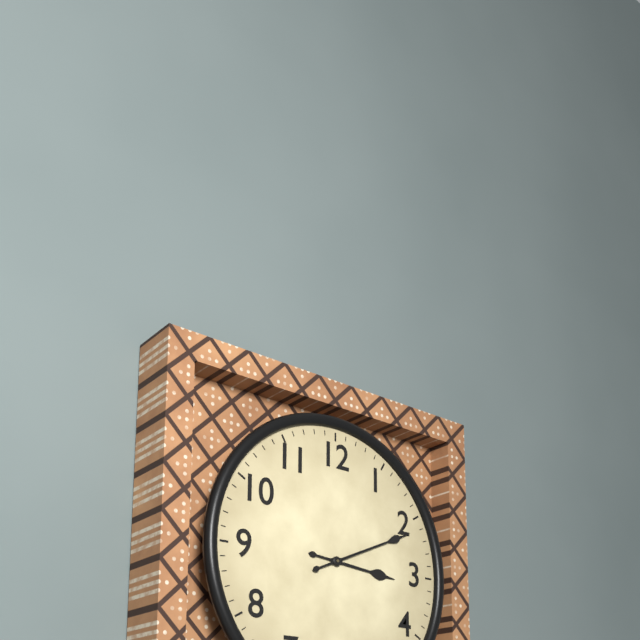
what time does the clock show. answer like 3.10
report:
3.11
